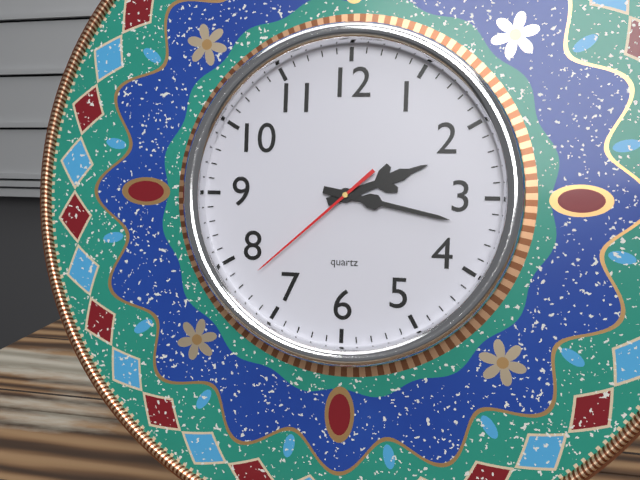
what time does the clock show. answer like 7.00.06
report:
2.17.38
